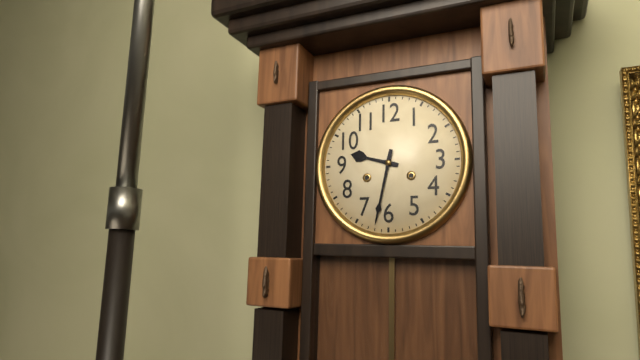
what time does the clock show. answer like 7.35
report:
9.32
